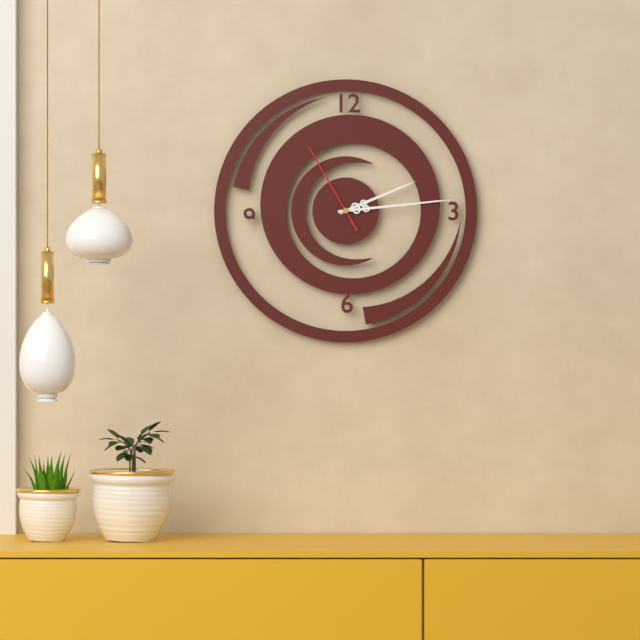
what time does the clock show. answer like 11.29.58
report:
2.14.55
